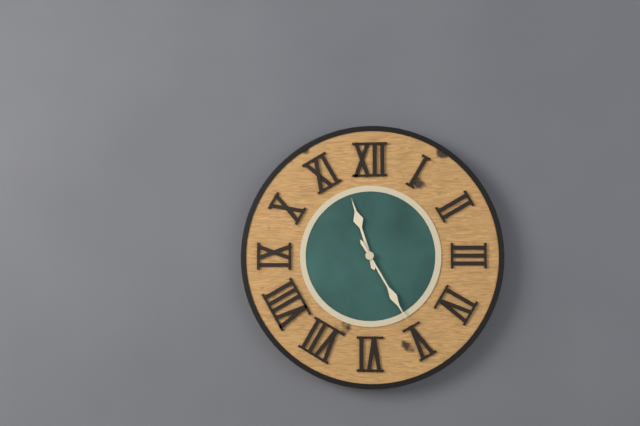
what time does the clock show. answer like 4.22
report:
11.25
